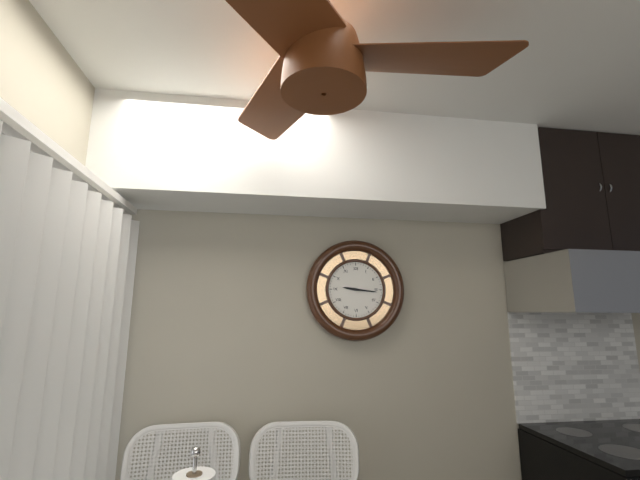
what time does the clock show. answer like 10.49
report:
9.16
